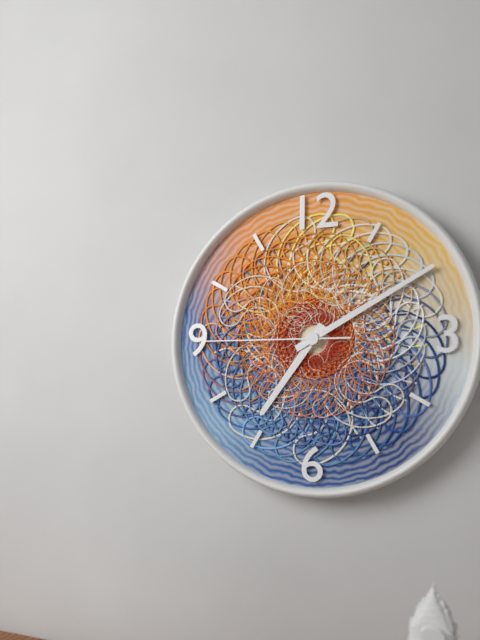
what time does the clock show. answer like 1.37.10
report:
7.10.45
